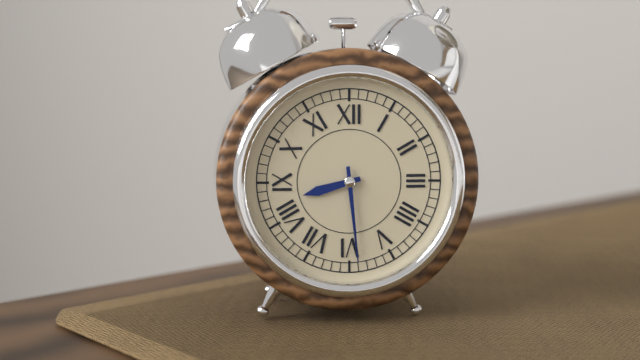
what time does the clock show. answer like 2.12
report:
8.29
